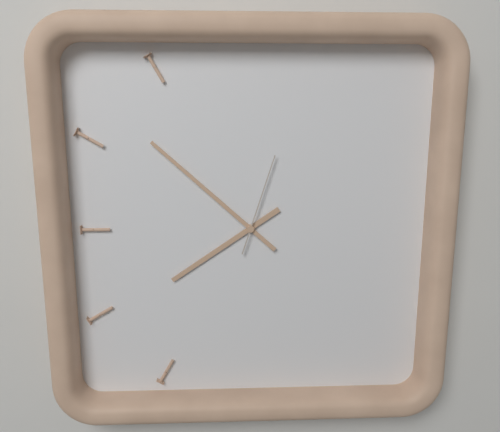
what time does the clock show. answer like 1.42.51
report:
7.52.03
